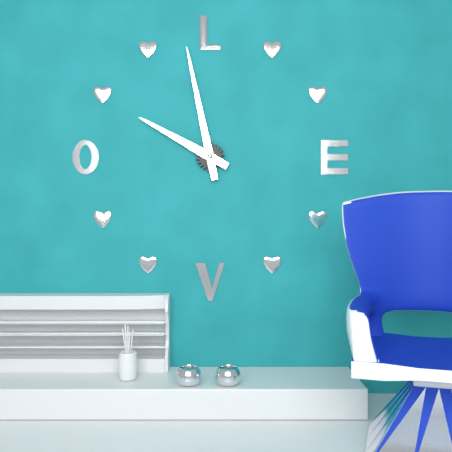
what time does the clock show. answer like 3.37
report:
9.58
